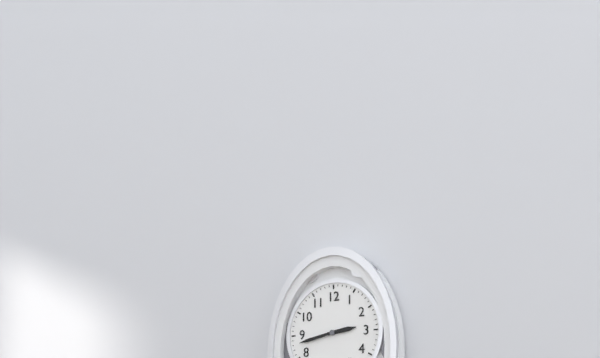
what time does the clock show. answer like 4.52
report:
2.43
